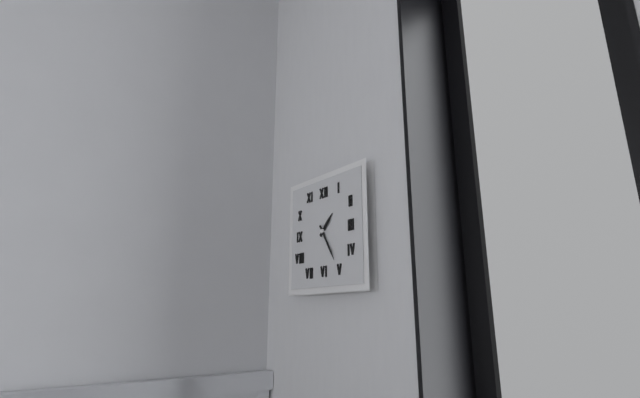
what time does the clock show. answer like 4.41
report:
1.25
